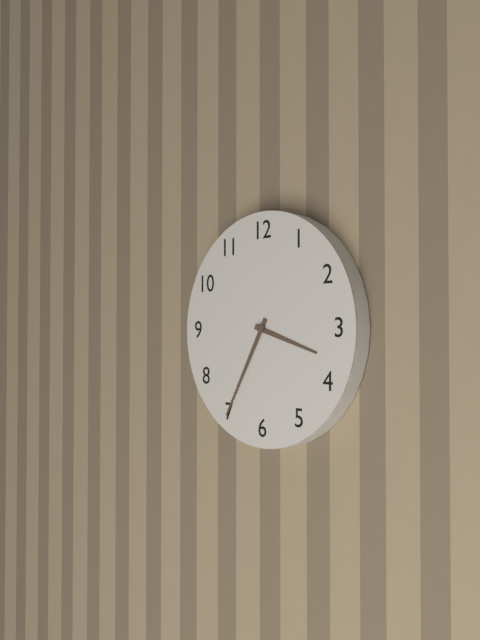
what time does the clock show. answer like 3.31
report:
3.35
